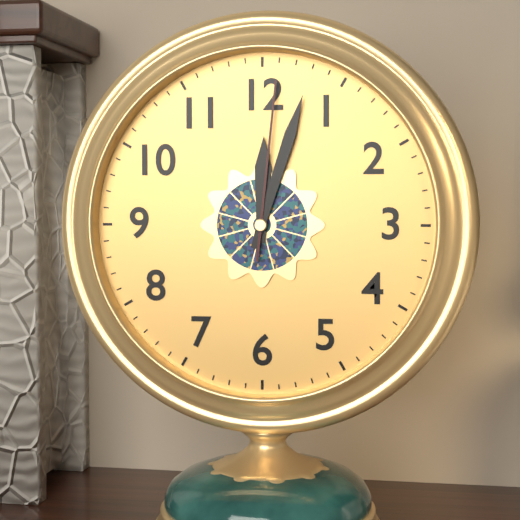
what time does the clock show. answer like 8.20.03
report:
12.03.01
